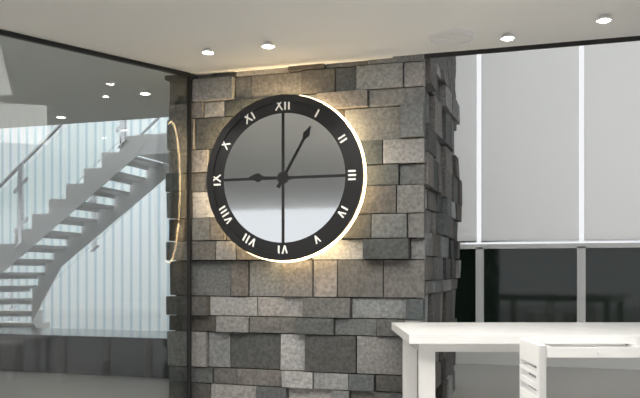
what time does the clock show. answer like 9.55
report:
9.05
